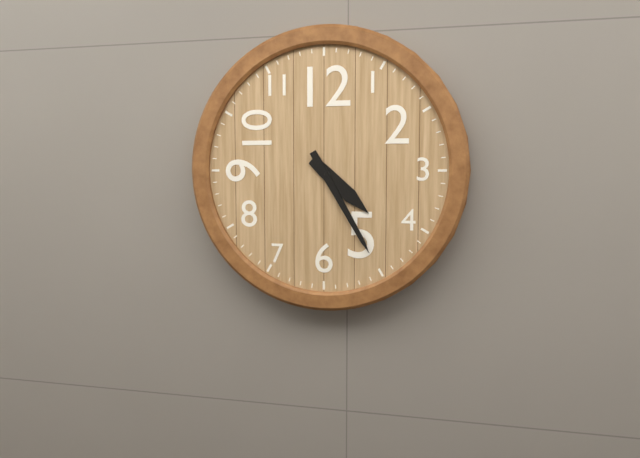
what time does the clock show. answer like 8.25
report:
4.25
